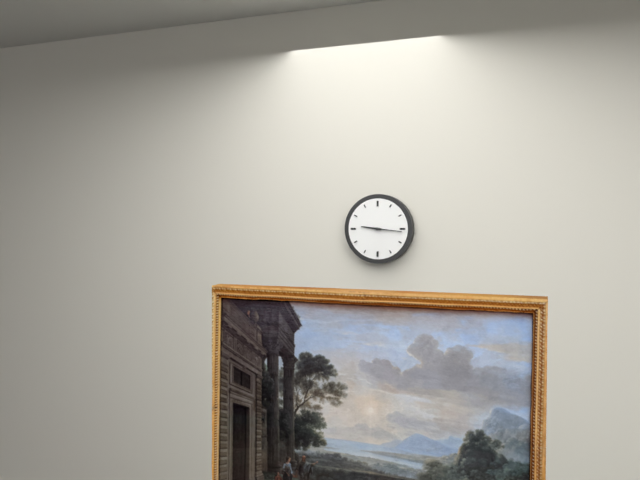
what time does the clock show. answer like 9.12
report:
9.16
